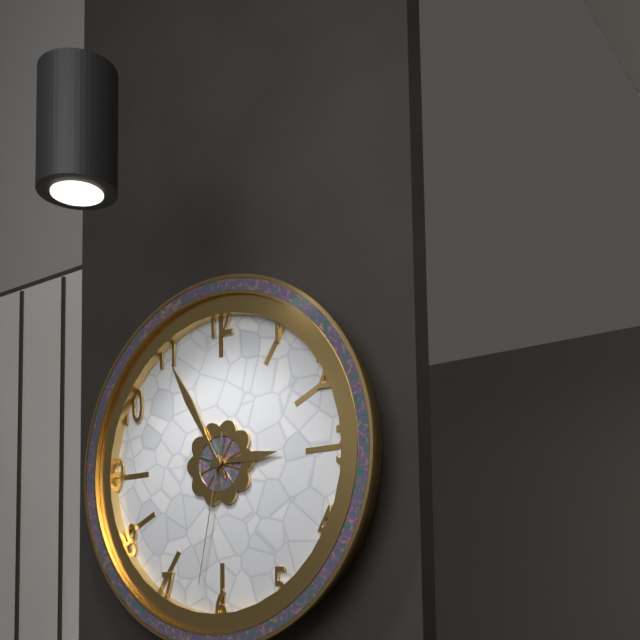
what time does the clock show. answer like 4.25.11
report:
2.55.32
